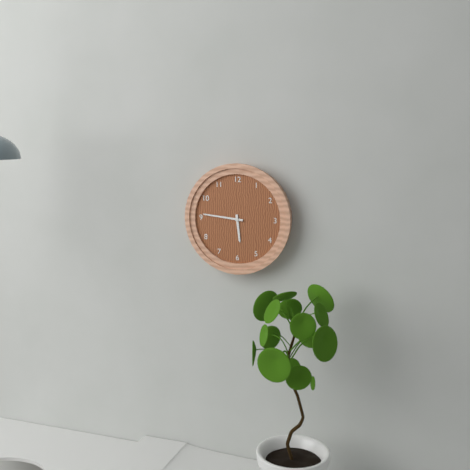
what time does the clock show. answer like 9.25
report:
5.46
